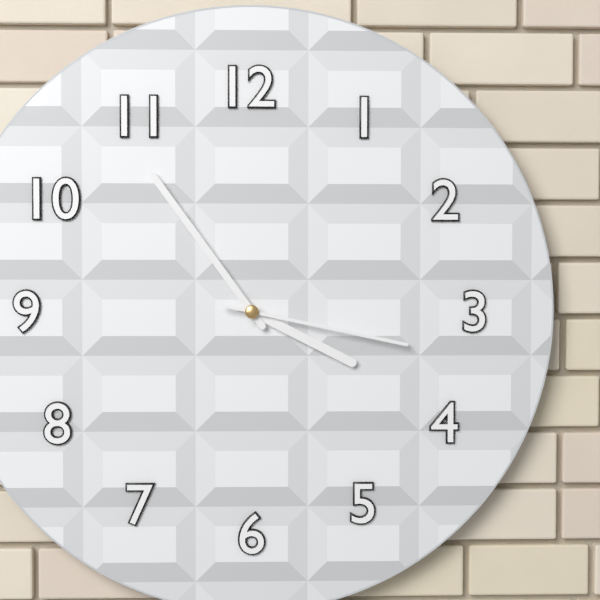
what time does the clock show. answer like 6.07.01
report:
3.54.17
